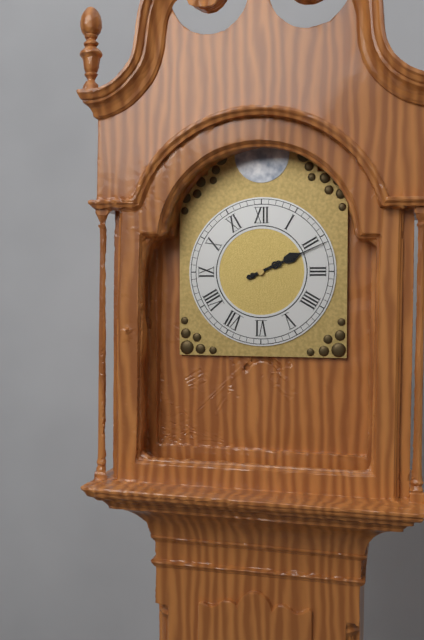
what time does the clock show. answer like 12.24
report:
2.11
